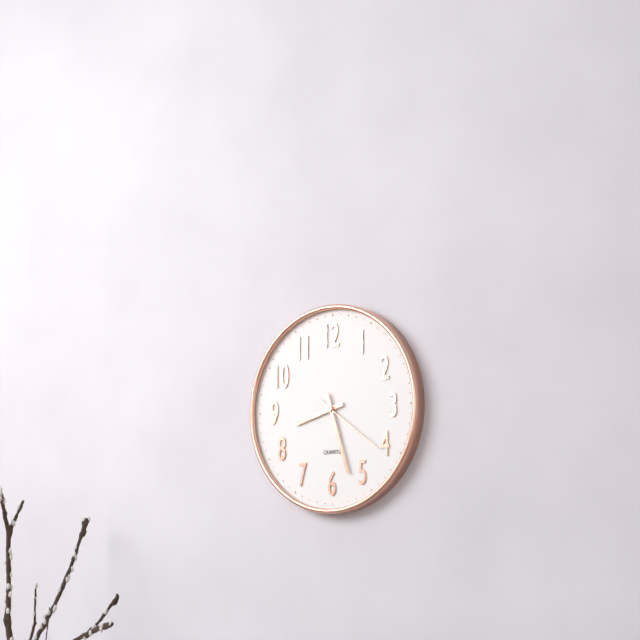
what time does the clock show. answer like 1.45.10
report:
8.27.21
